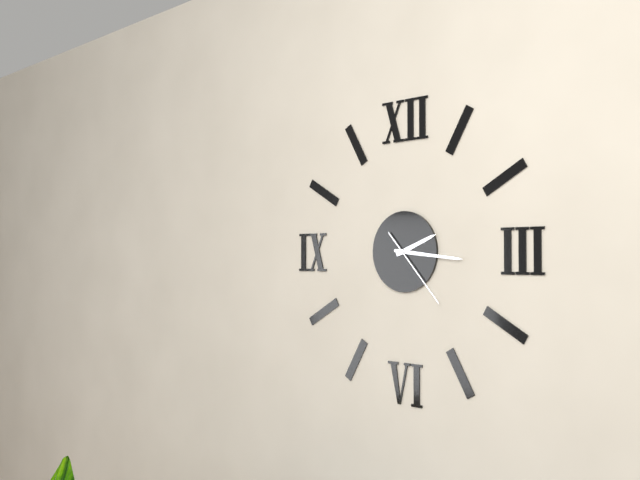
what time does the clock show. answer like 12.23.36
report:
2.16.23
